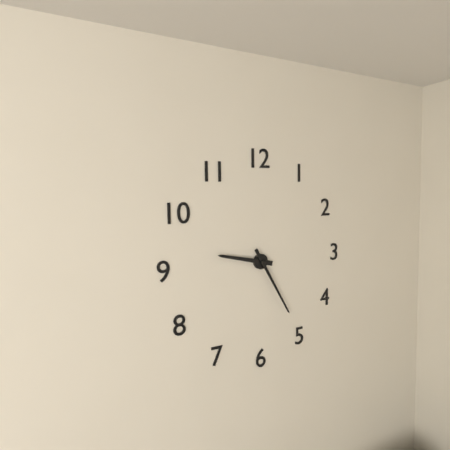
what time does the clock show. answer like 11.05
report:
9.25
